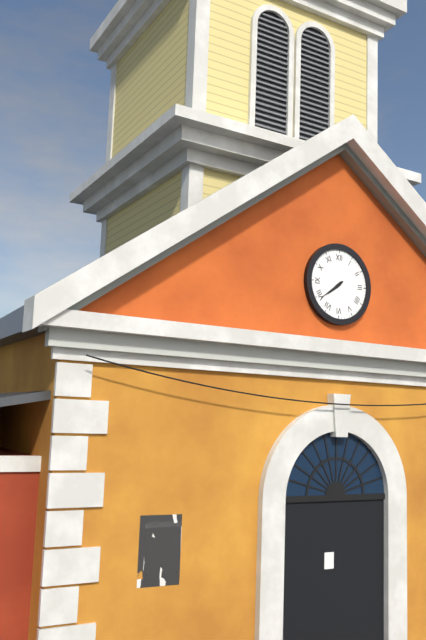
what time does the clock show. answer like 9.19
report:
7.39
